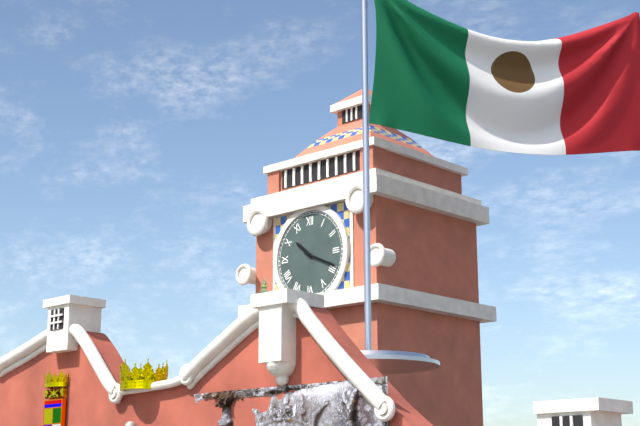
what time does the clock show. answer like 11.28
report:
10.19
